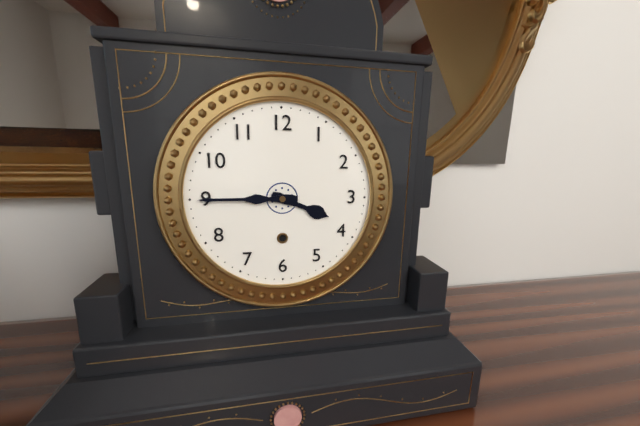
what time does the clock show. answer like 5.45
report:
3.45
